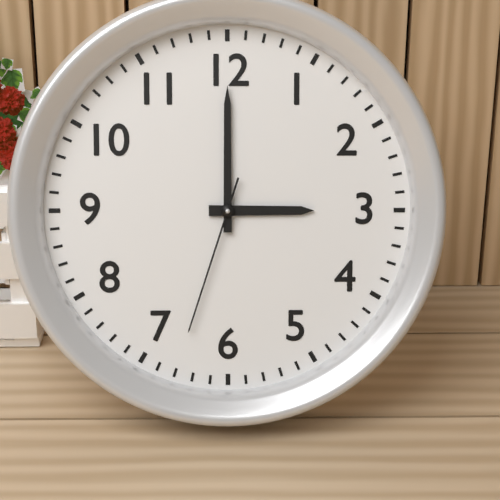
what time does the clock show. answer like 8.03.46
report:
3.00.33
